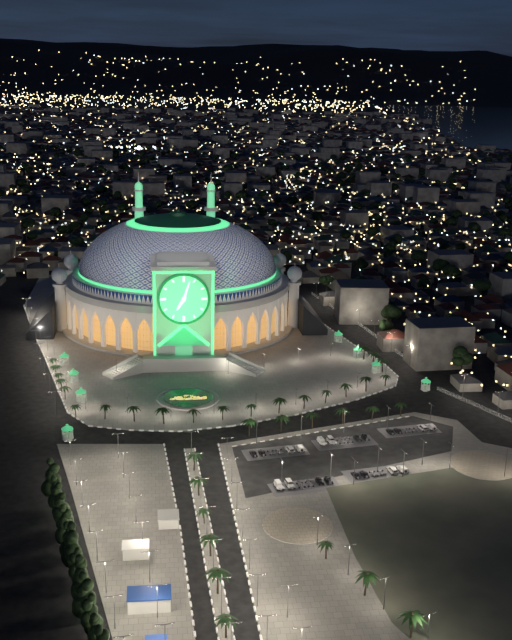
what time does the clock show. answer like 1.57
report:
7.03
